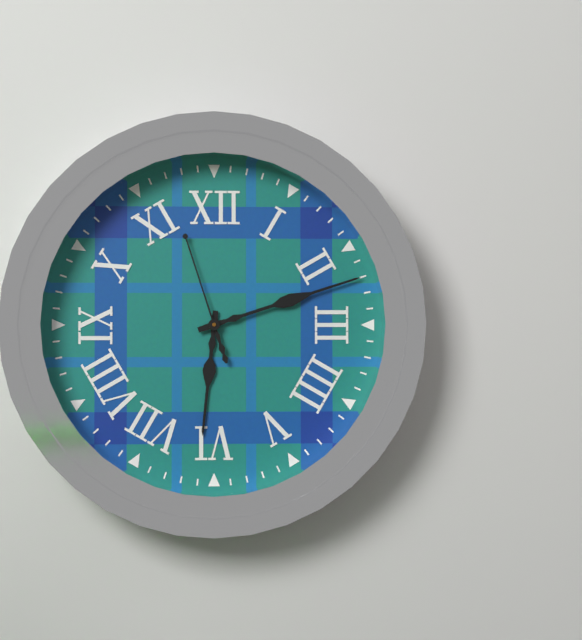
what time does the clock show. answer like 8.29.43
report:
6.12.57
